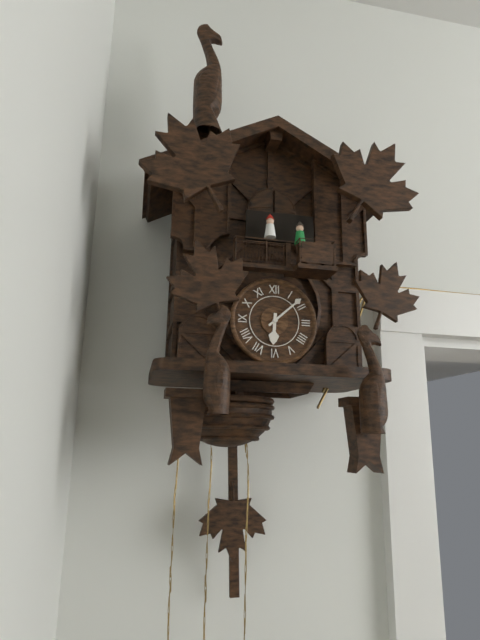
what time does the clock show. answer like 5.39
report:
6.08
